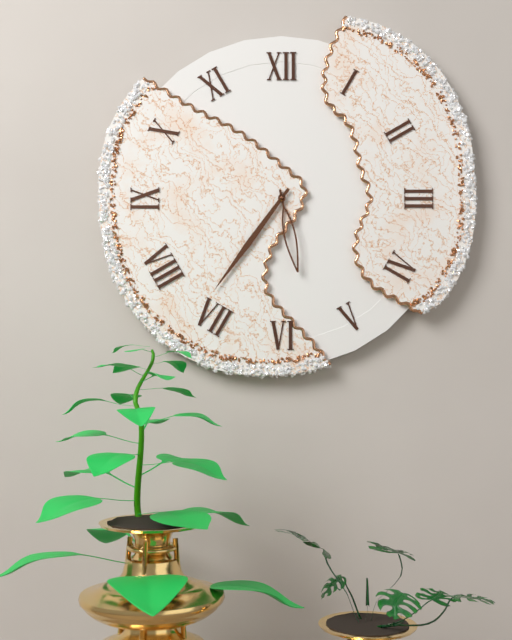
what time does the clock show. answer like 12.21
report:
5.36
